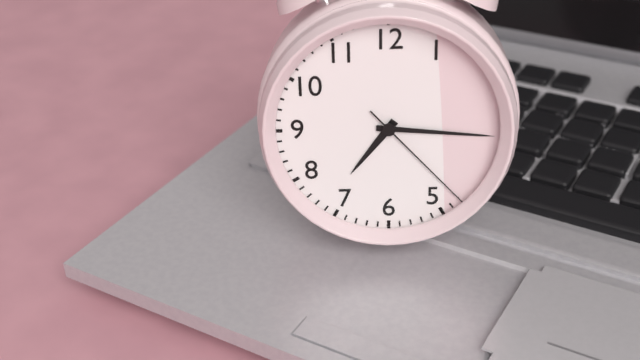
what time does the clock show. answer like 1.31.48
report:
7.16.23
